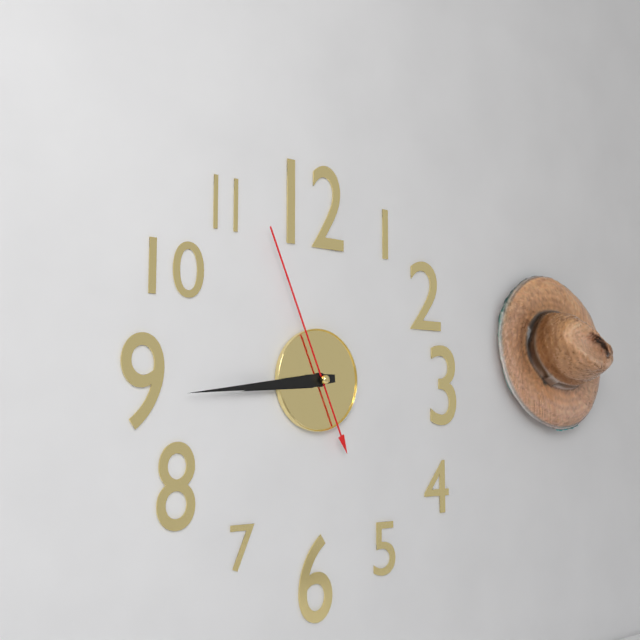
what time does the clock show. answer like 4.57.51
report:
8.44.56
